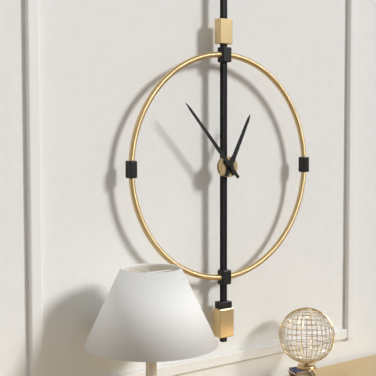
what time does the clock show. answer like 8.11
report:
12.53
